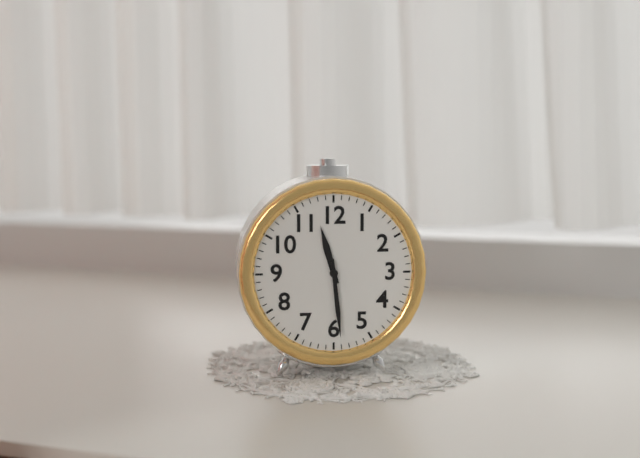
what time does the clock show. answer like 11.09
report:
11.29
